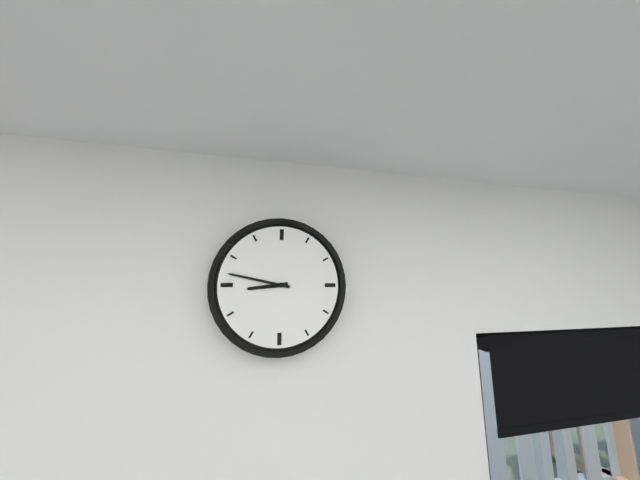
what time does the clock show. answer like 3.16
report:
8.47
